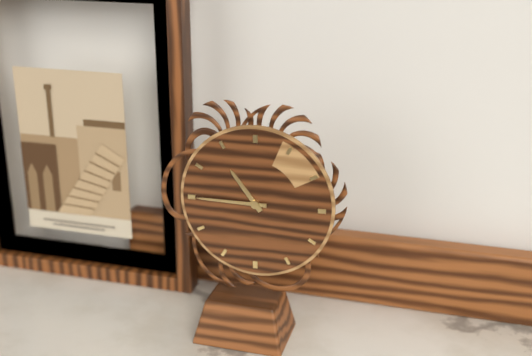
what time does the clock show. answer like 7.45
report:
10.45
